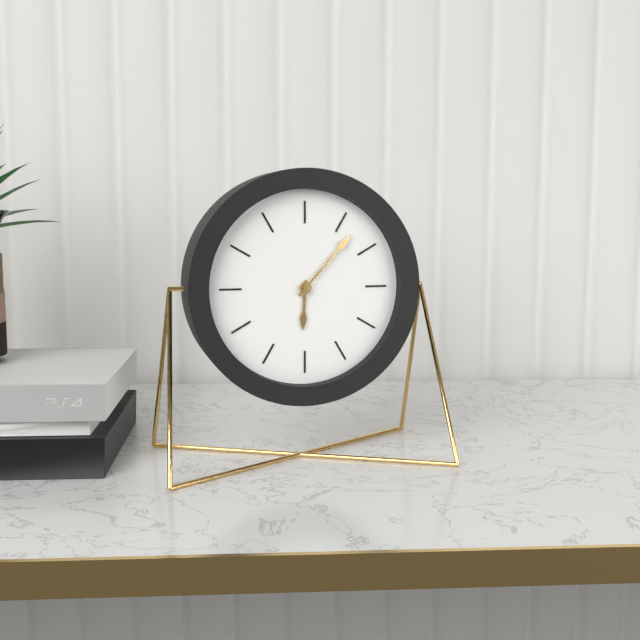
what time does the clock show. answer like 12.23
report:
6.07
